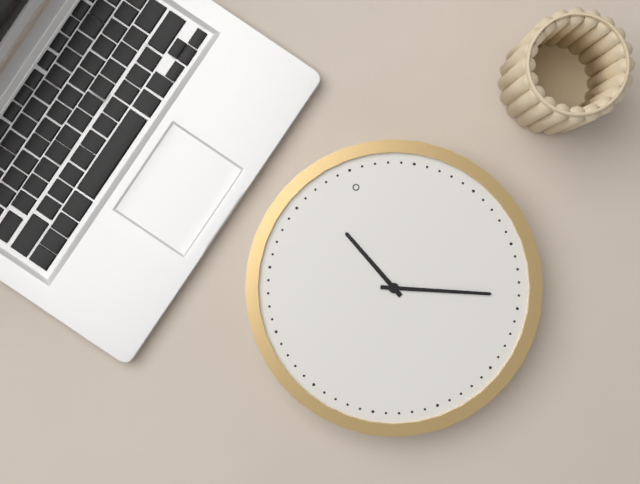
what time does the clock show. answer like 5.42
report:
11.19
